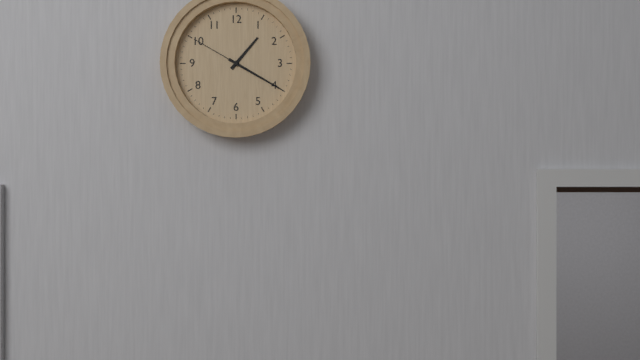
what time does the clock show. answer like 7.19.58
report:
1.20.50
